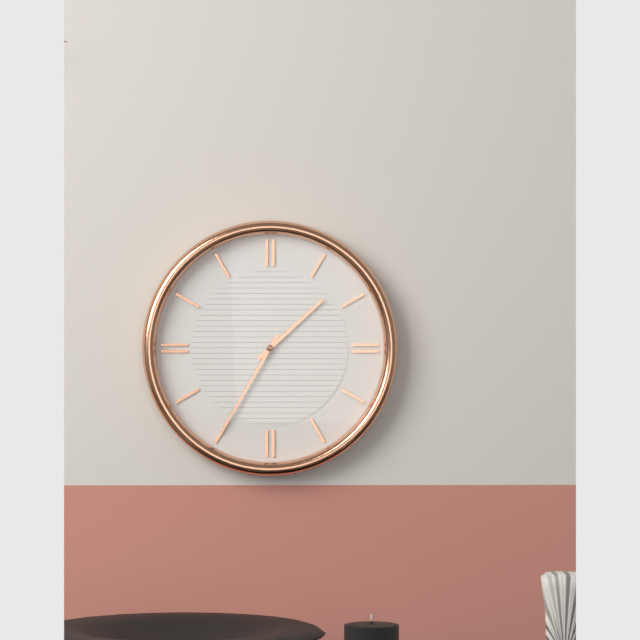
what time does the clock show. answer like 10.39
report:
1.35
